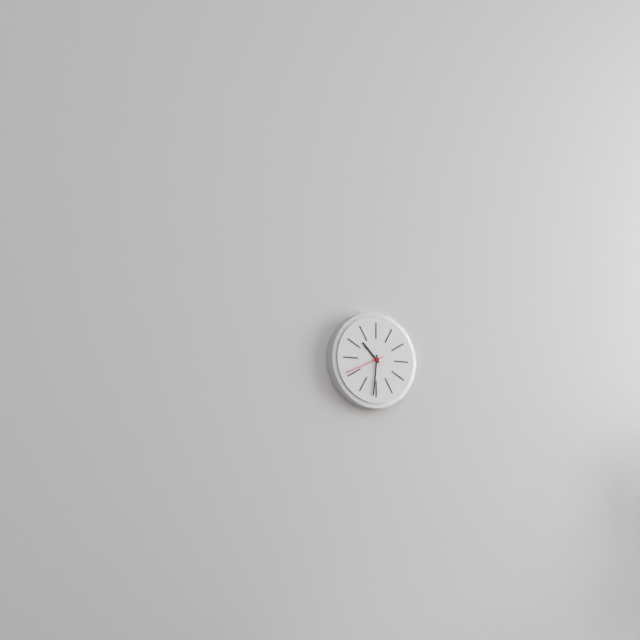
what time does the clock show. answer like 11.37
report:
10.31
